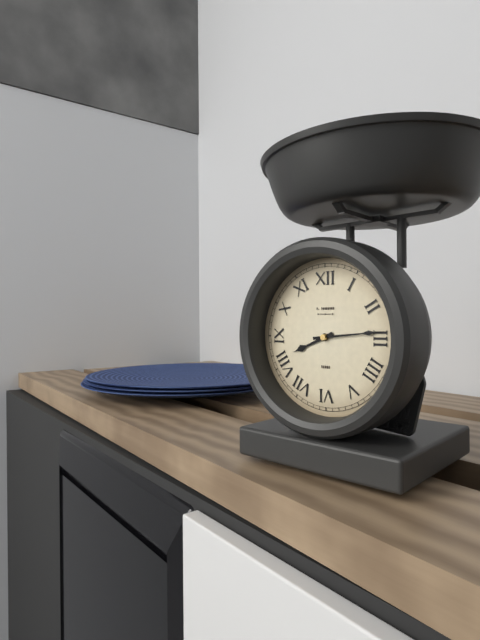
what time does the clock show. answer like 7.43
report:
8.14
